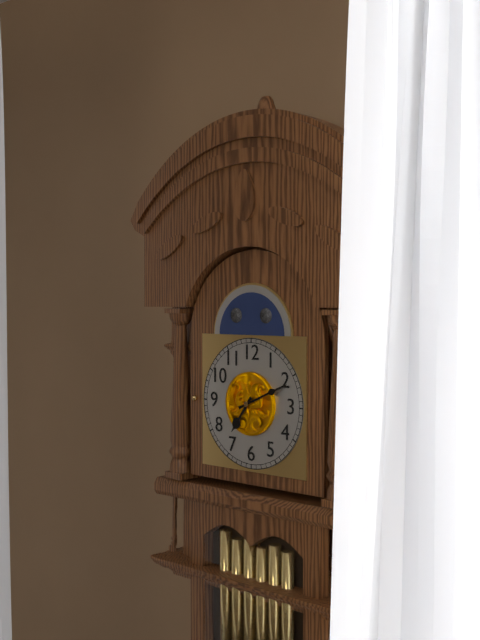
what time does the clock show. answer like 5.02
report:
7.11
